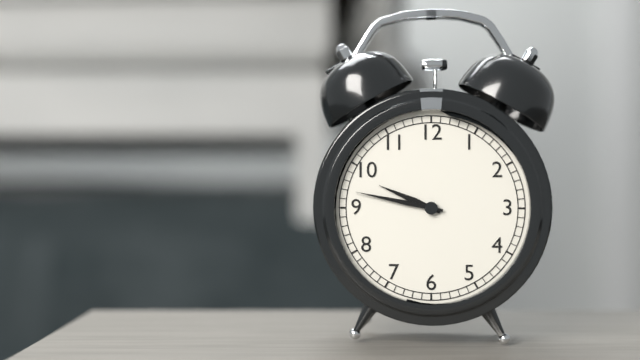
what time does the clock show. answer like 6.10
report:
9.47
